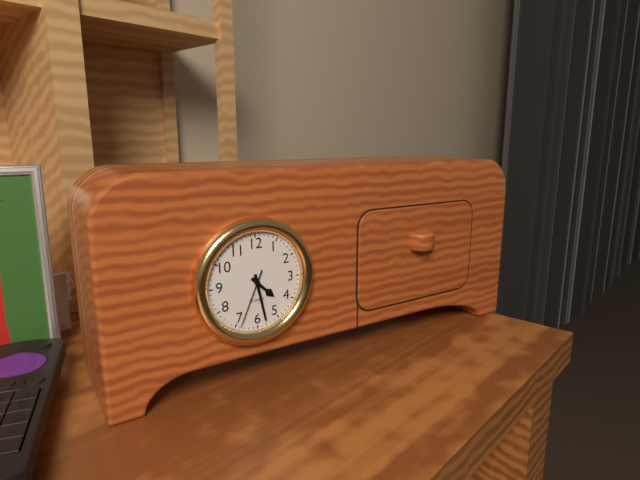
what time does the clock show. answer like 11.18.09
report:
4.28.34
